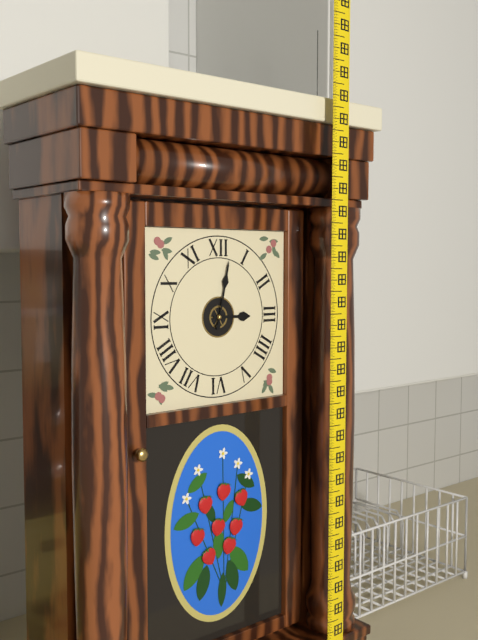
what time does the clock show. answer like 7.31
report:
3.02
